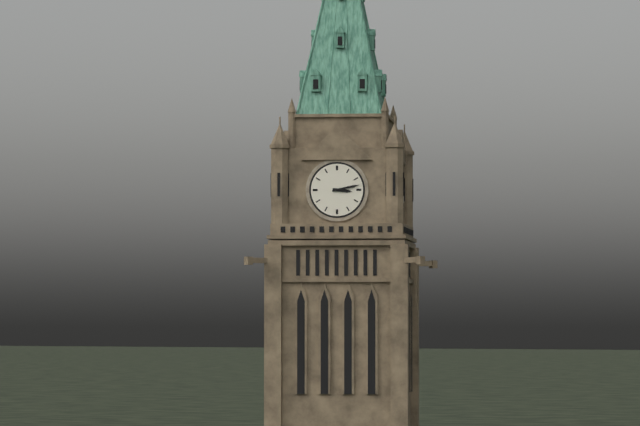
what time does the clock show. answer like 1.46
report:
3.13
